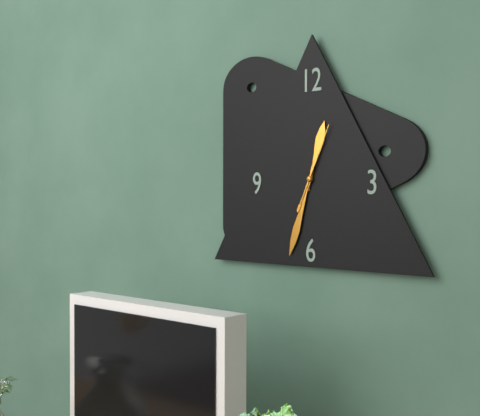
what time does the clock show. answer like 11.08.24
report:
12.33.04
